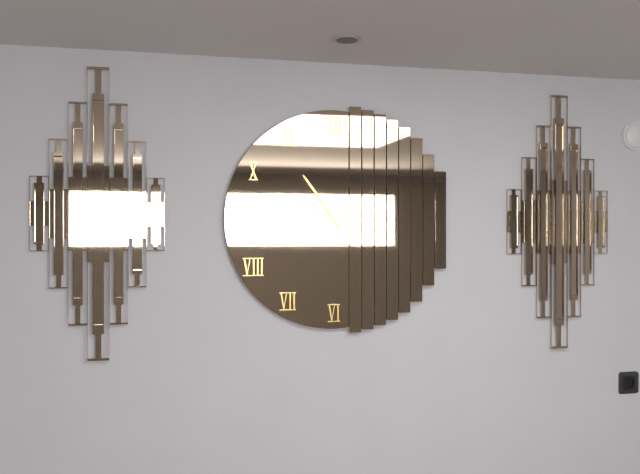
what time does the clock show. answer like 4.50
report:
9.54
